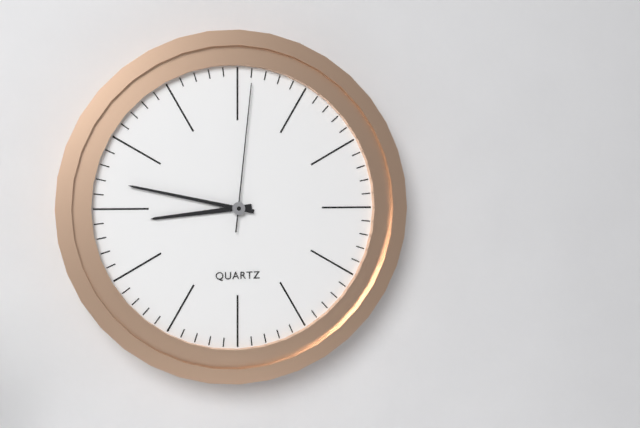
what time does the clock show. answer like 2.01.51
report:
8.47.01
